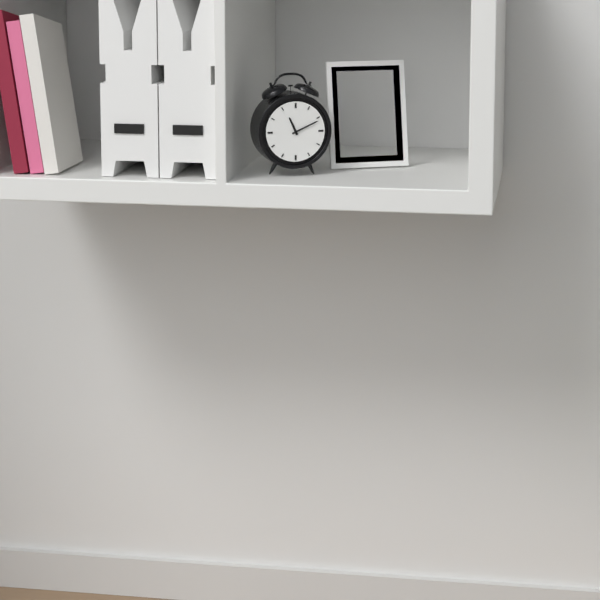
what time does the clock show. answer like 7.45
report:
11.11
